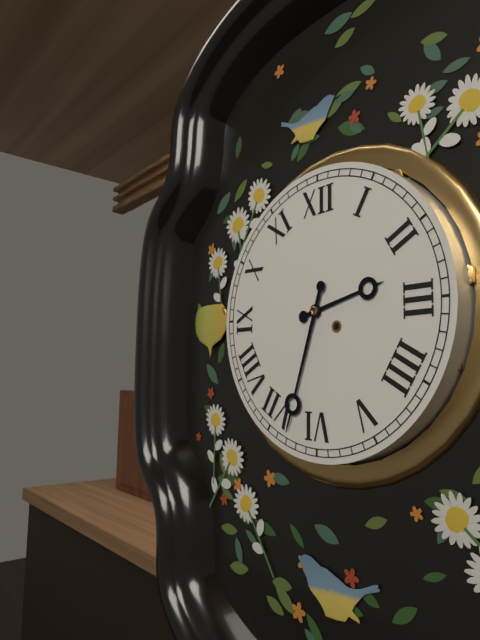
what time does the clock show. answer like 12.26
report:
2.33
